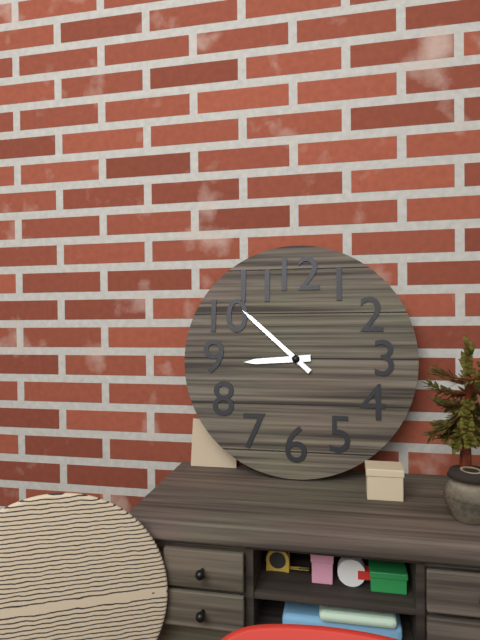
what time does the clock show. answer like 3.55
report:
8.52
